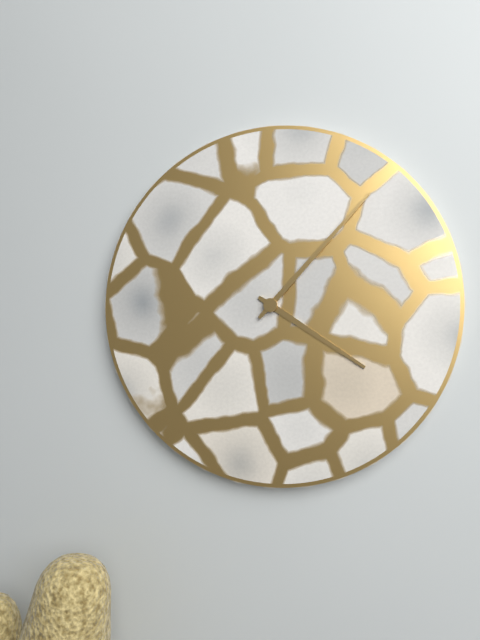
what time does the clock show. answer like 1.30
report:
4.07
